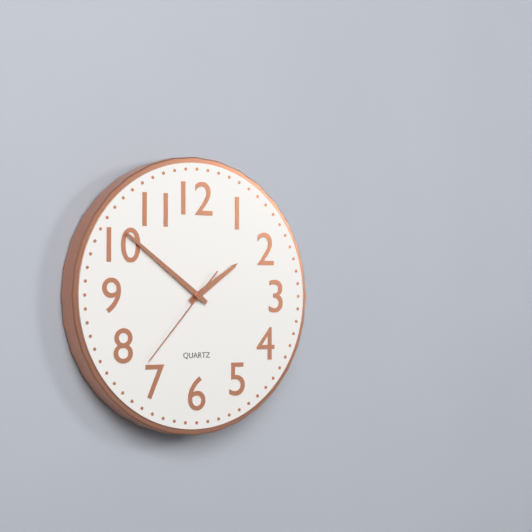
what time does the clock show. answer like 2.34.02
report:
1.51.37
